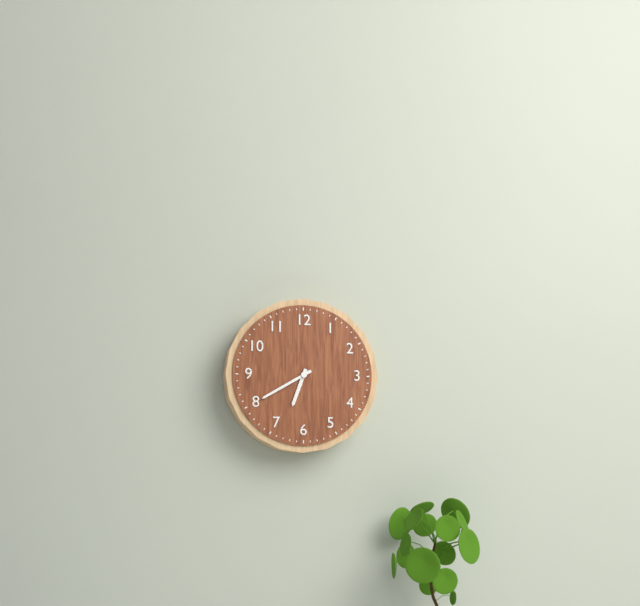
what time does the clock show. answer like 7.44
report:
6.40
